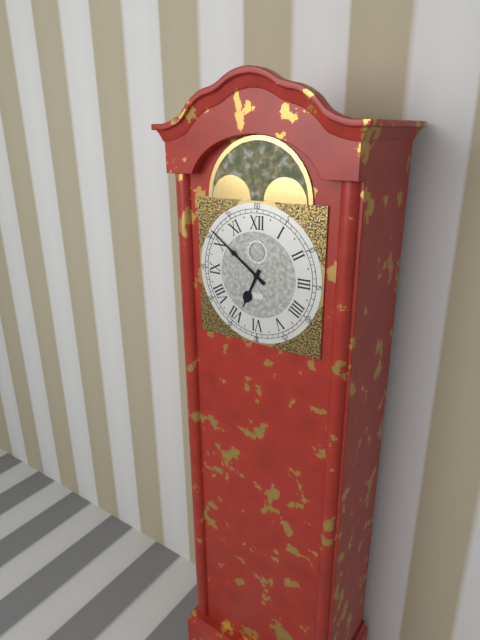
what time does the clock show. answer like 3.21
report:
6.51
